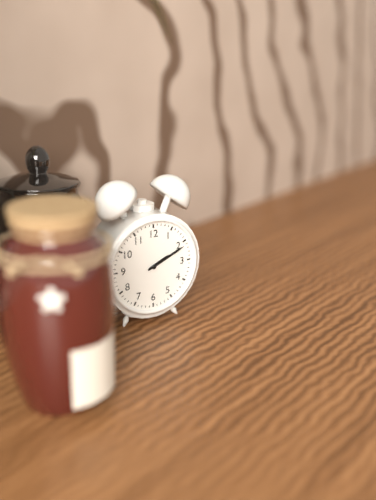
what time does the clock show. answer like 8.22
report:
2.11
